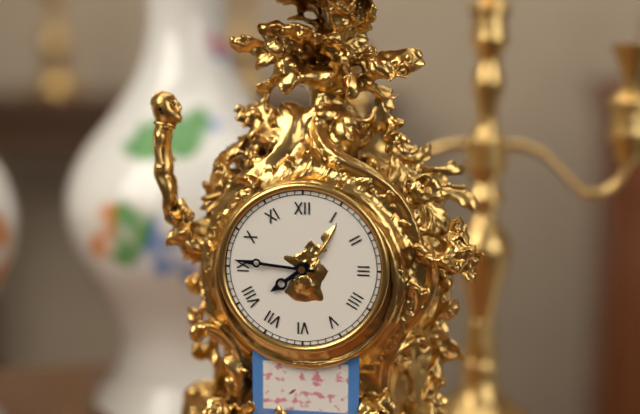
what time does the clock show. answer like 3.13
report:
7.46
